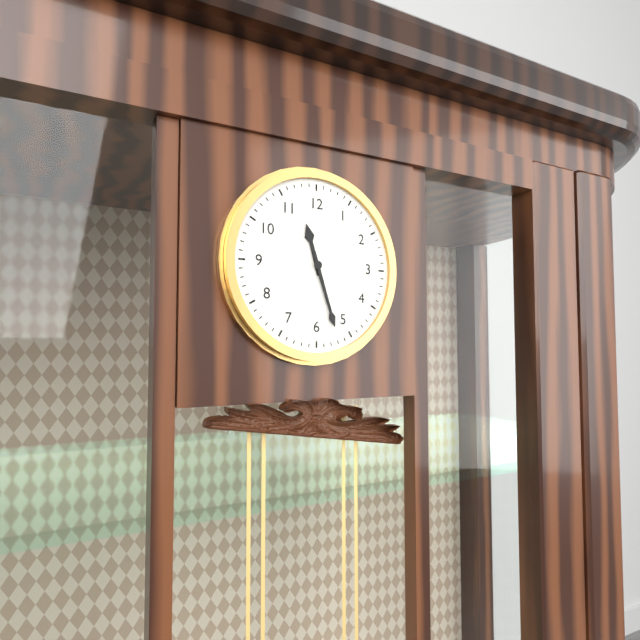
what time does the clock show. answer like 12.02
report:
11.27
